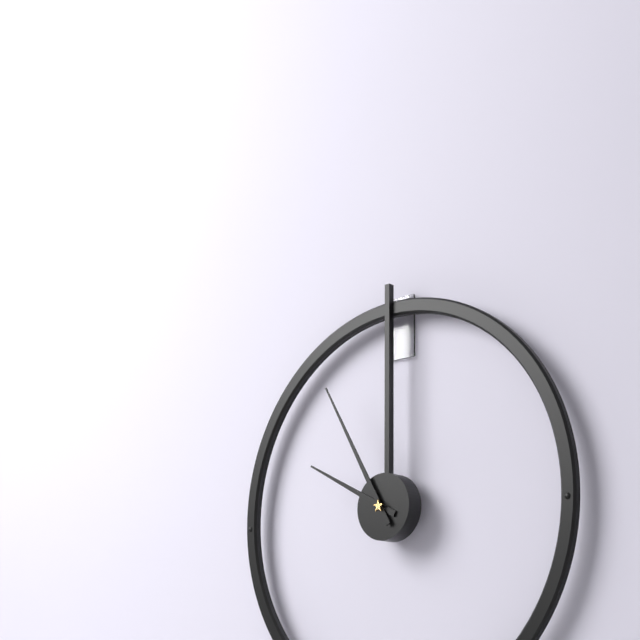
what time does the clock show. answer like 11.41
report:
9.55
